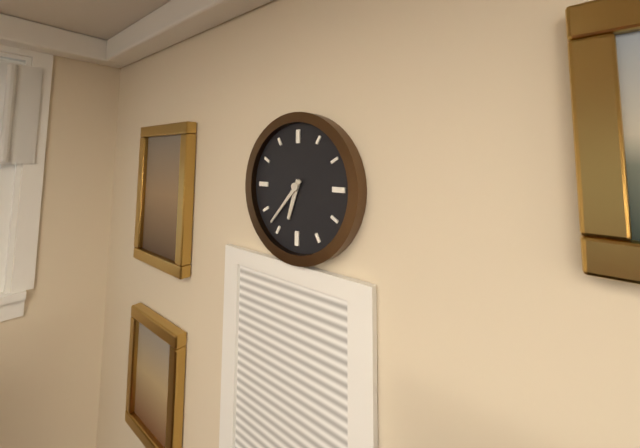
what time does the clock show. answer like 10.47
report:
6.37
